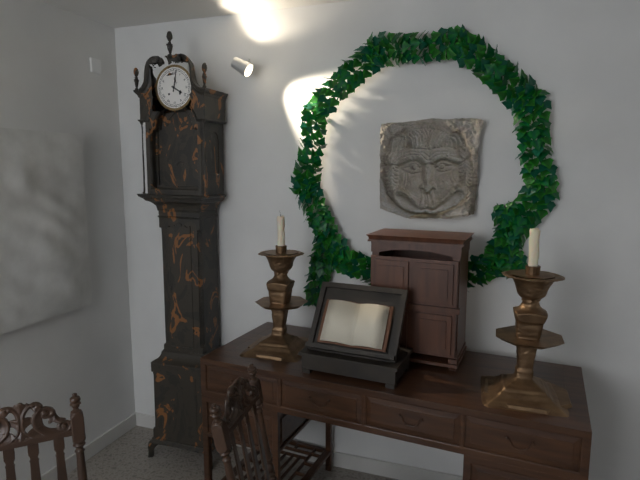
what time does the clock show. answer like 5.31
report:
4.02
